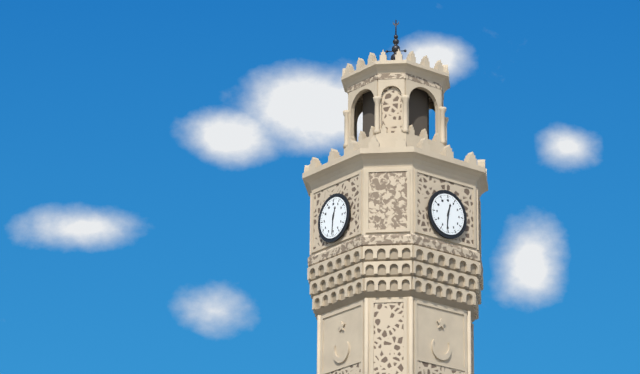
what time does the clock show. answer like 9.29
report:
12.31
